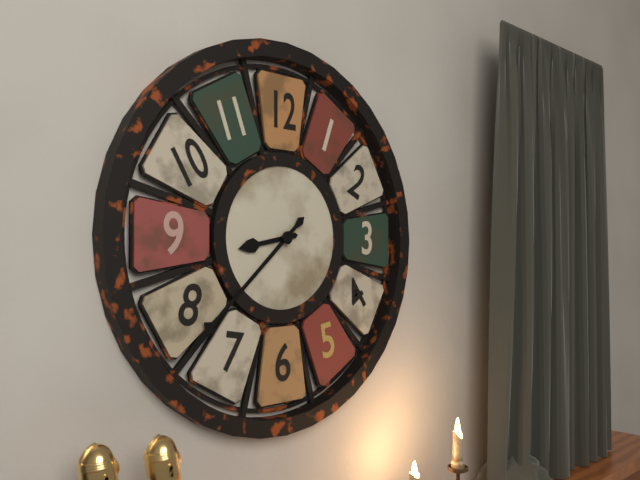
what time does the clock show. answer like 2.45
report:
8.38
